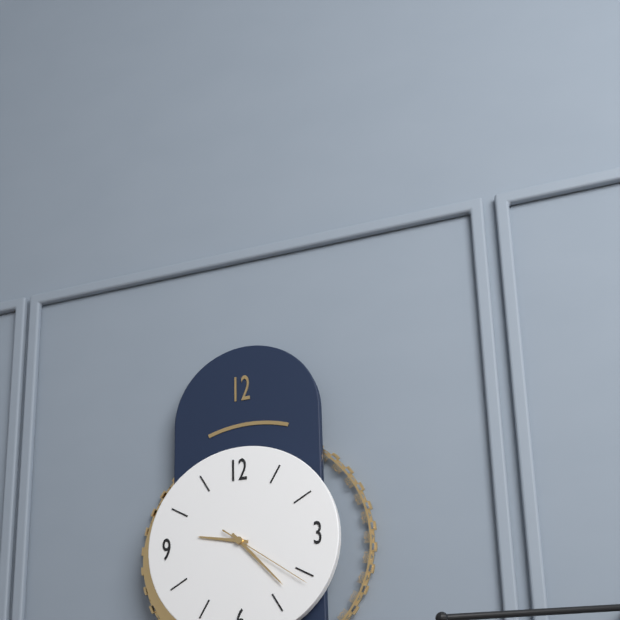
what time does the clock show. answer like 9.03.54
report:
9.23.21
